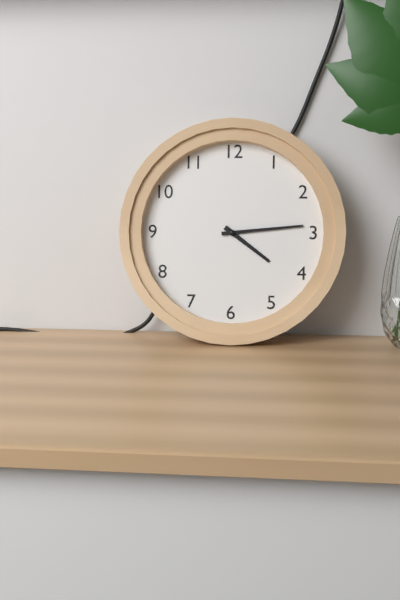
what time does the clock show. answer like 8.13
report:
4.14
